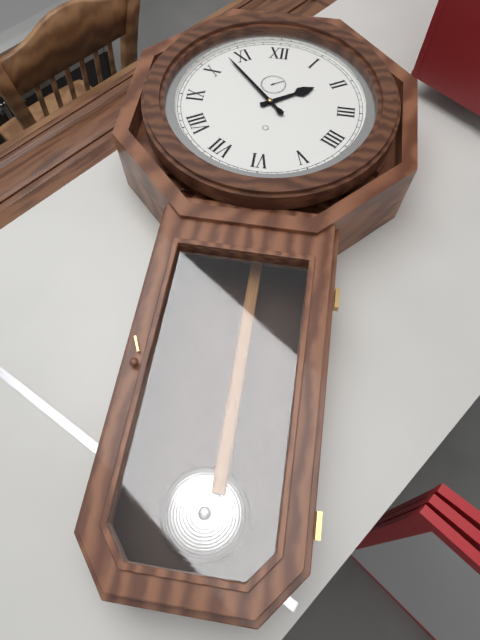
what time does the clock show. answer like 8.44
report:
1.53
